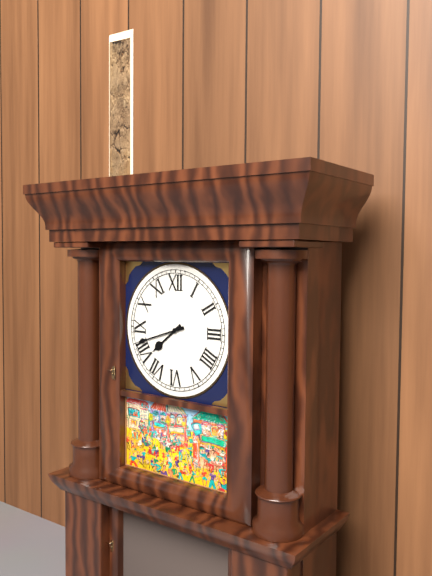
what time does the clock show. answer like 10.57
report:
7.42
